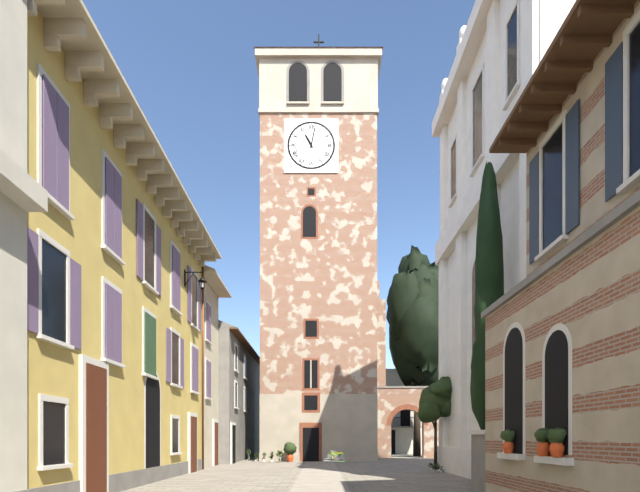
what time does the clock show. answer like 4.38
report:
11.02
